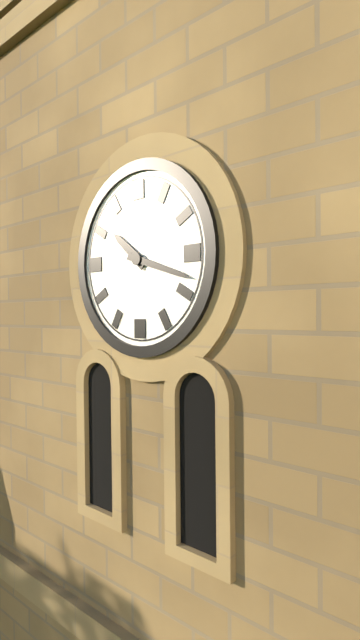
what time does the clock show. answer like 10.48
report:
10.18
